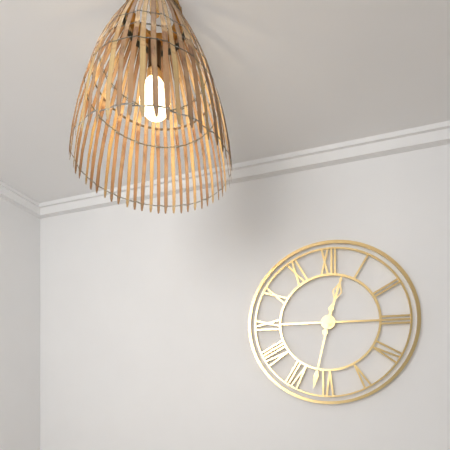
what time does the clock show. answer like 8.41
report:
12.32
